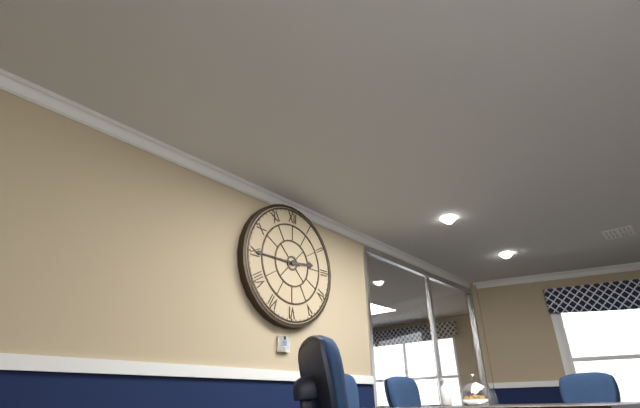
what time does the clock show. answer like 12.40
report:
2.45
